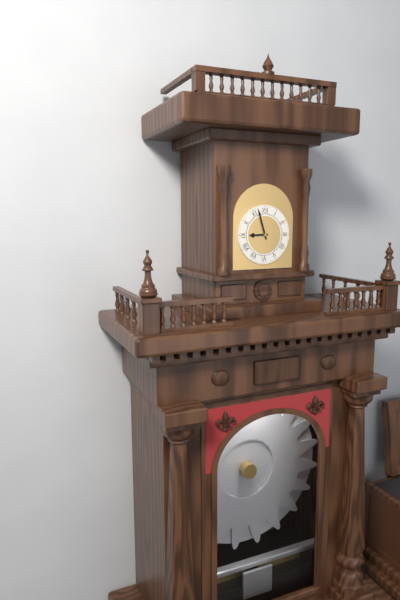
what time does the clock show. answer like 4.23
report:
8.57
